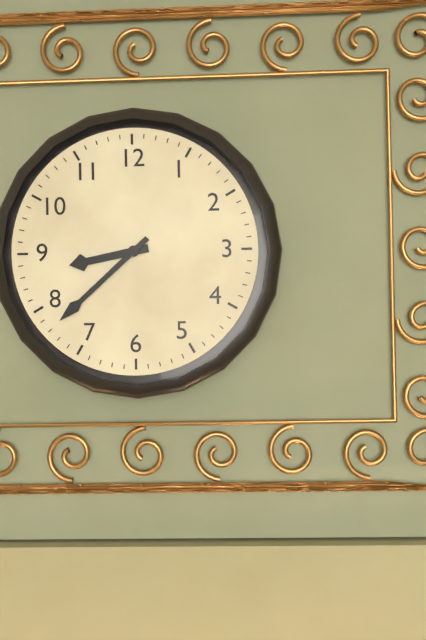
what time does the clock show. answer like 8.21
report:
8.38
